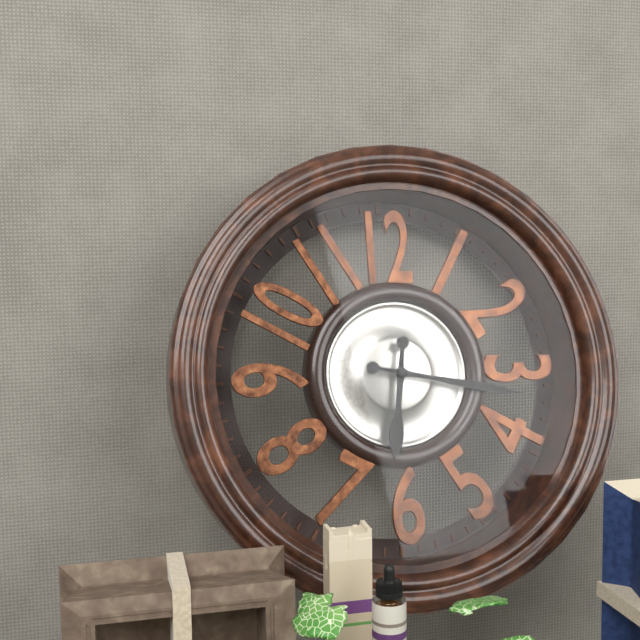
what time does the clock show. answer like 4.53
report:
6.17
